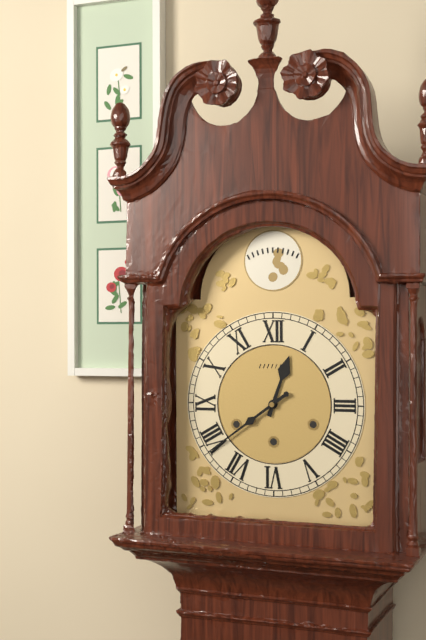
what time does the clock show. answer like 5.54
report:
12.39
